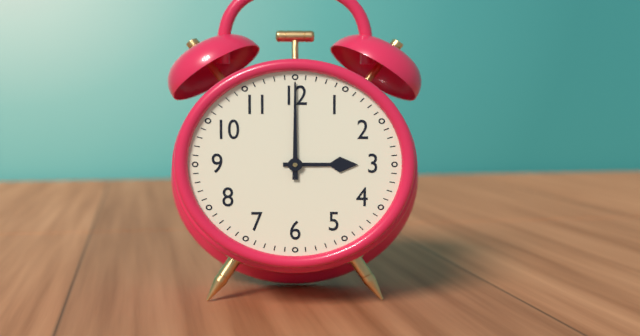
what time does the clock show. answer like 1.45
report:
3.00
